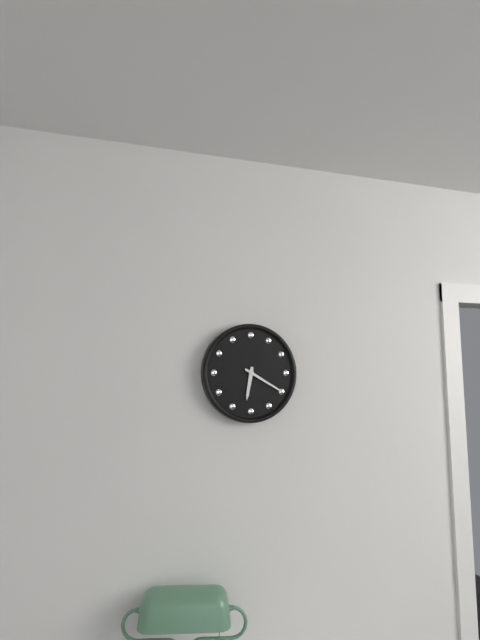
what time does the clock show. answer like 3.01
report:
6.20
